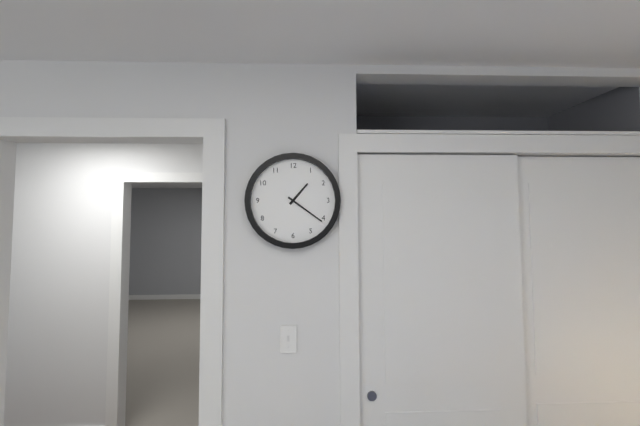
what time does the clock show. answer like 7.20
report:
1.21
